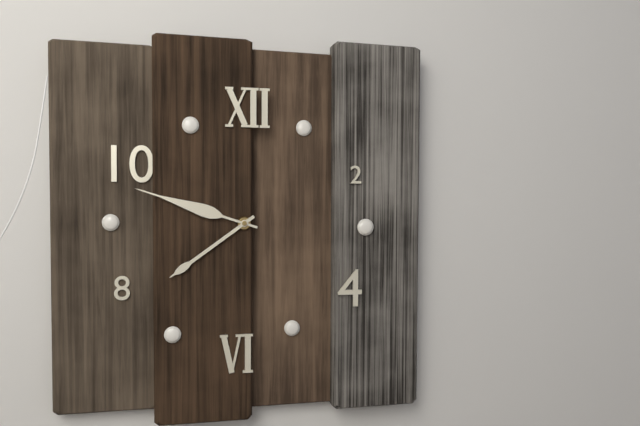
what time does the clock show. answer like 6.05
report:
7.48
